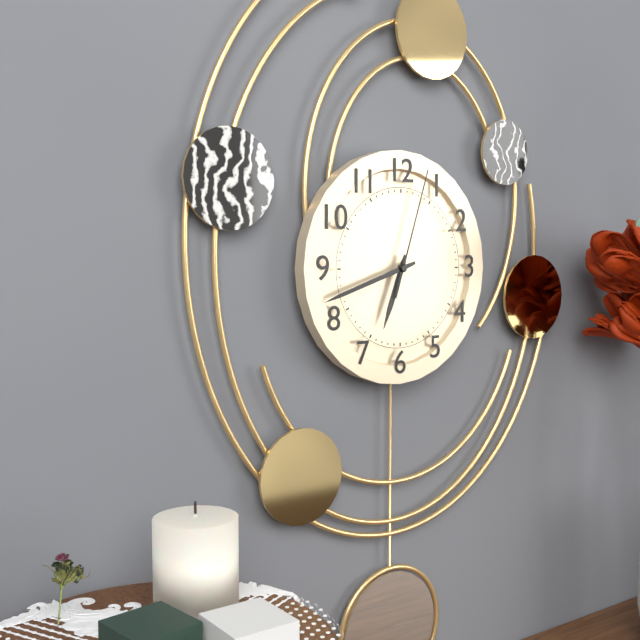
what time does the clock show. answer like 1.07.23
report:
6.42.03
